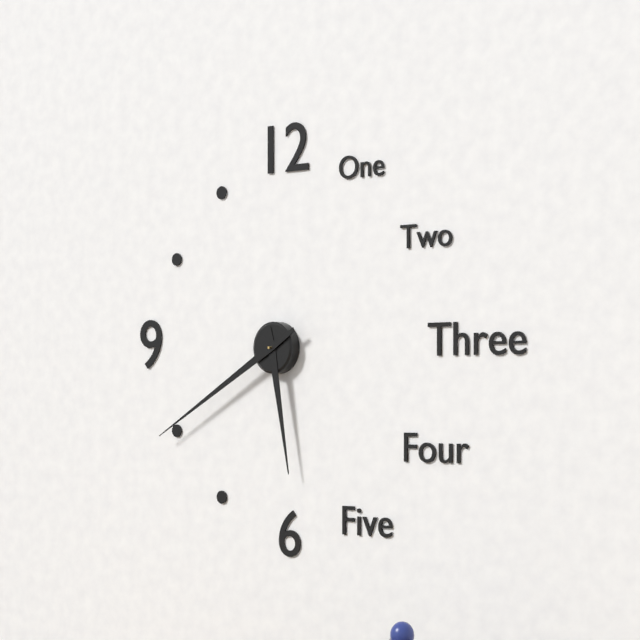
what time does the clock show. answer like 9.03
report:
5.40
